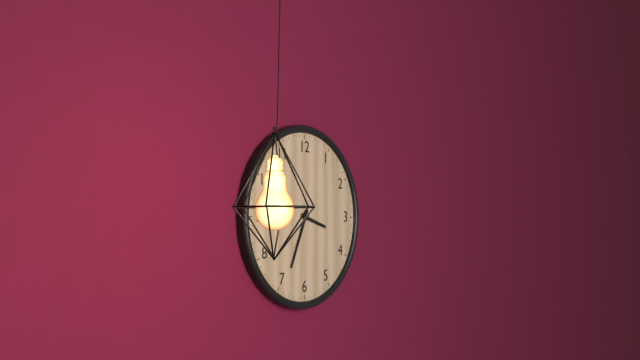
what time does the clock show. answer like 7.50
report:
3.34
